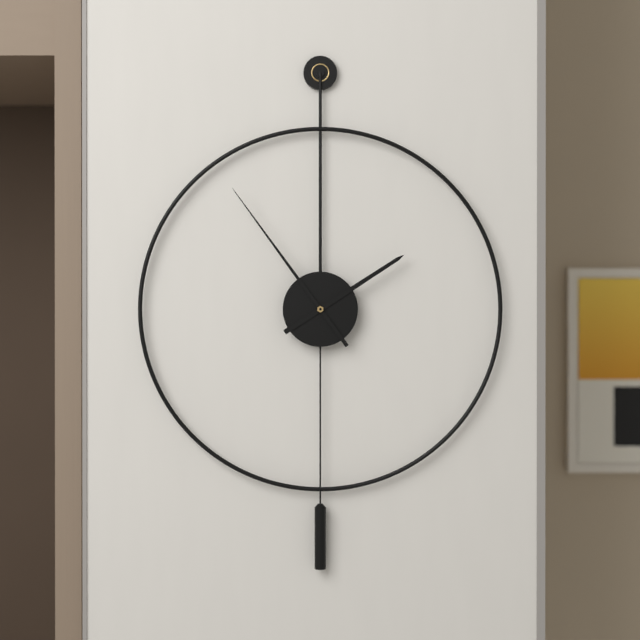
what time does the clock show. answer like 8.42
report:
1.54
